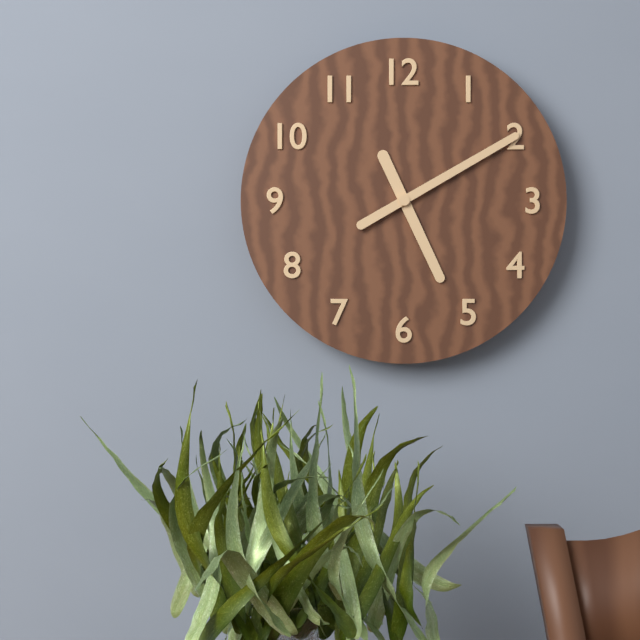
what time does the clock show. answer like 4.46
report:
5.10
